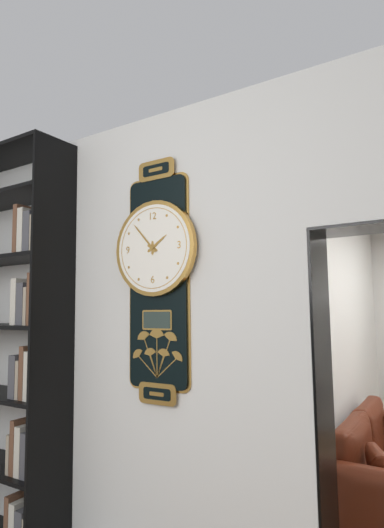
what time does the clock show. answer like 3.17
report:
1.53
